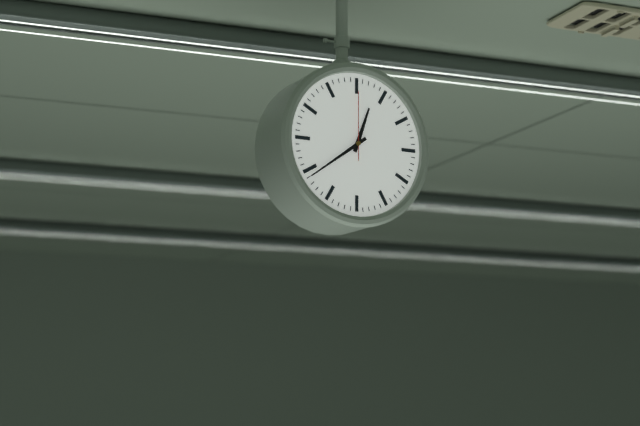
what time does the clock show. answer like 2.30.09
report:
12.39.00
